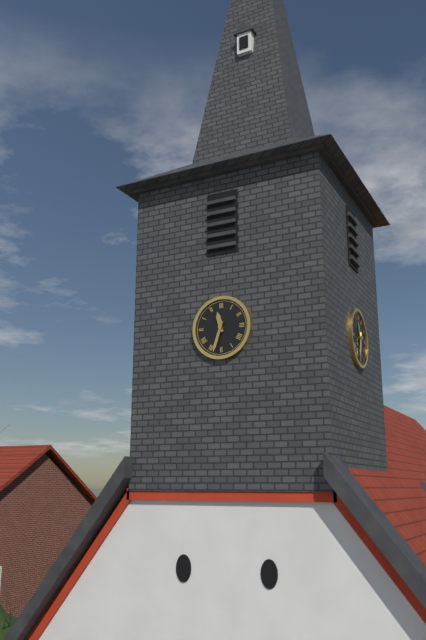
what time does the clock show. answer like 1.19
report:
11.33
